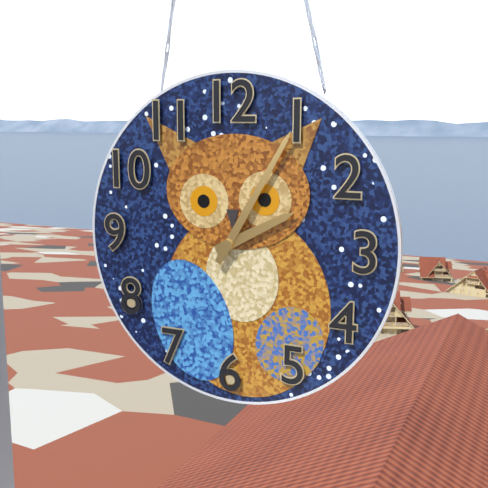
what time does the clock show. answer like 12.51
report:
2.05
